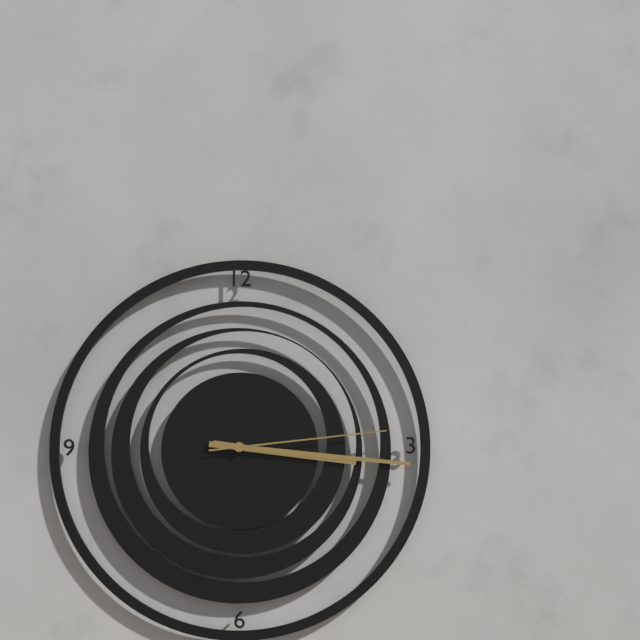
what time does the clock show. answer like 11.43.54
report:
3.16.14
